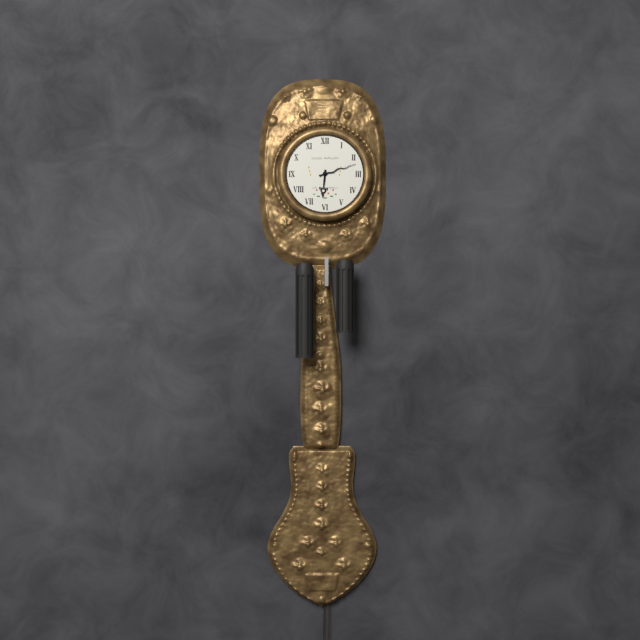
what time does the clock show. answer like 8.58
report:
6.12
